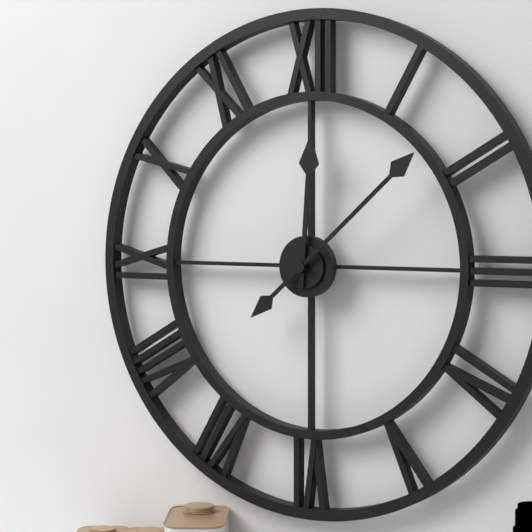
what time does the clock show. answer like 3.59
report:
12.08
